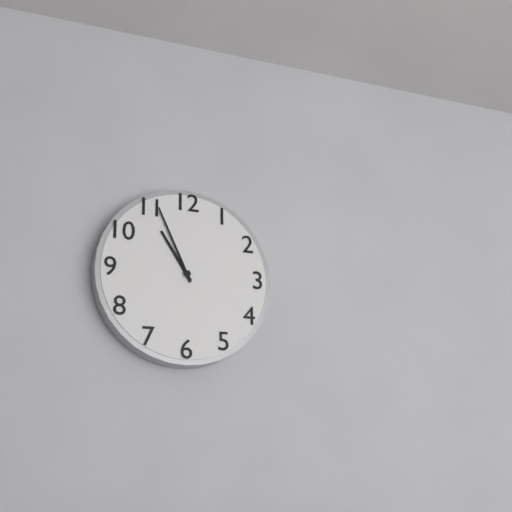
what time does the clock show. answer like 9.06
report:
10.56
